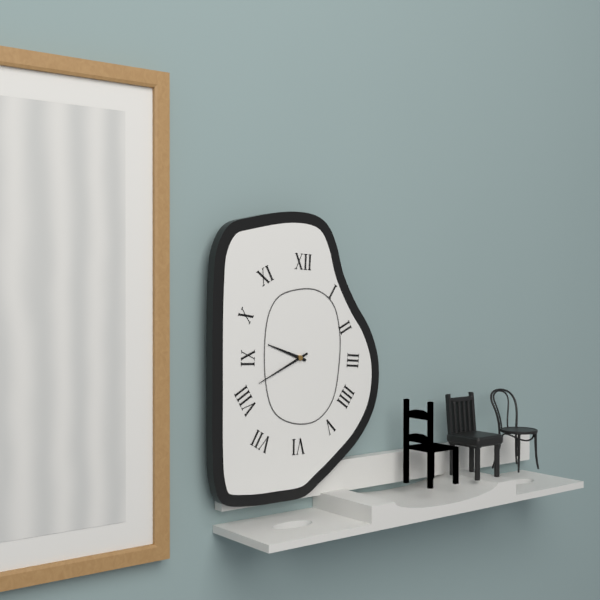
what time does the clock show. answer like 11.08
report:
9.41
